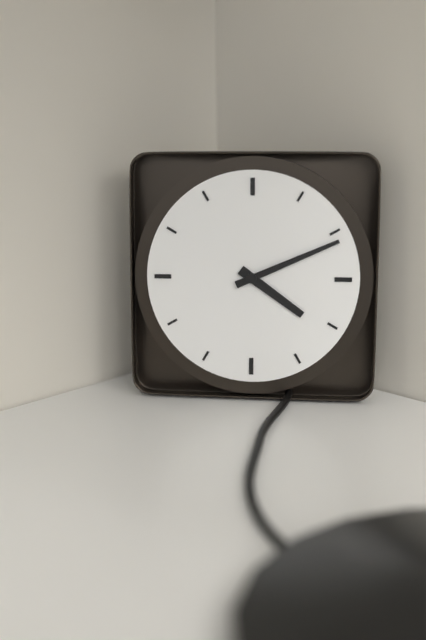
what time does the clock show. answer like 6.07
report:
4.11
